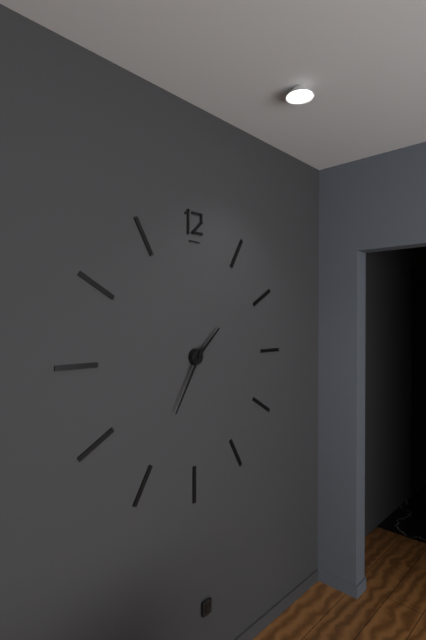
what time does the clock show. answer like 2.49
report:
1.35
